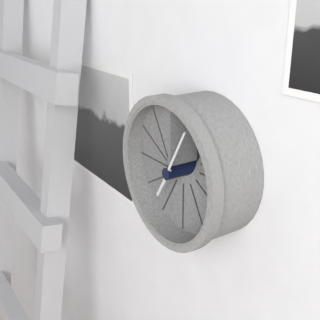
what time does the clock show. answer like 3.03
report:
7.05
